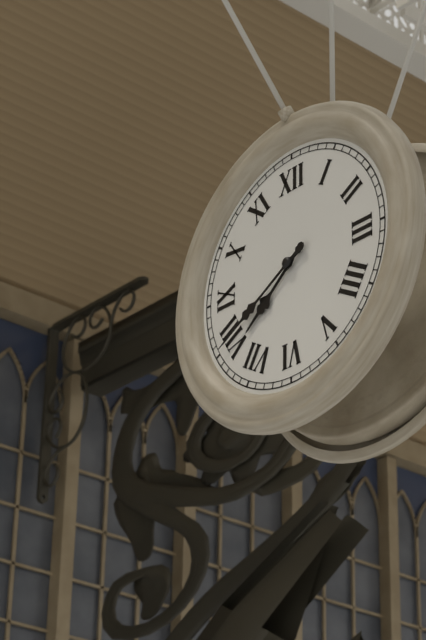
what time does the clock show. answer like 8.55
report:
7.40
